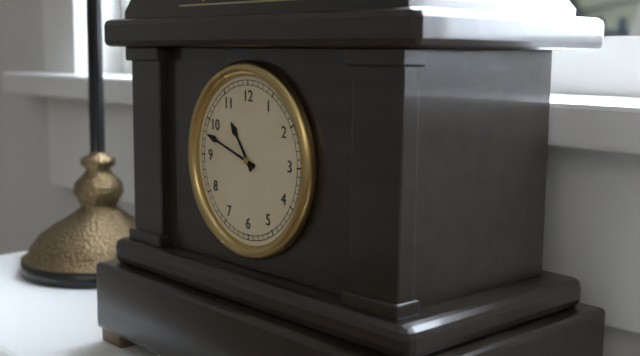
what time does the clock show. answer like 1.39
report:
10.48
